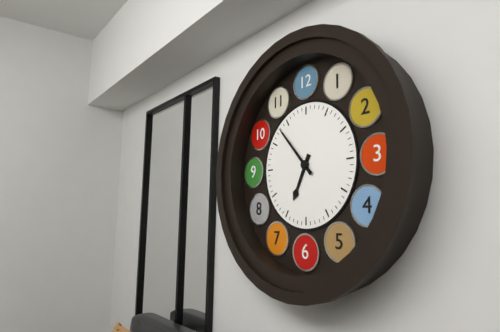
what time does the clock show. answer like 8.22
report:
6.53
